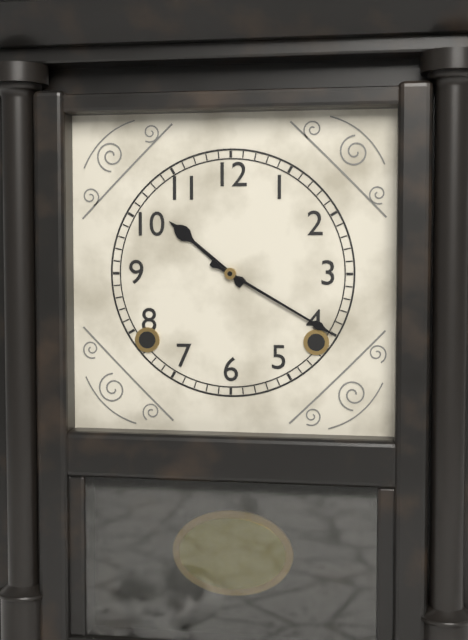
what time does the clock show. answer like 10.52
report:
10.20
